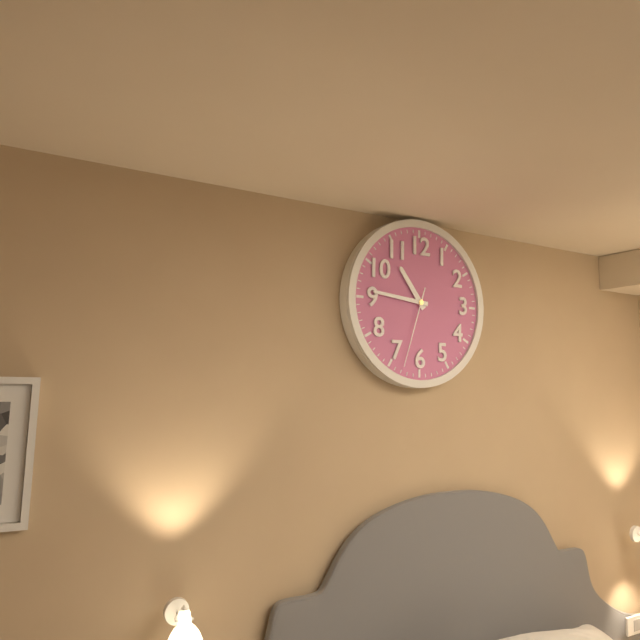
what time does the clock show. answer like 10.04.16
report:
10.46.33
